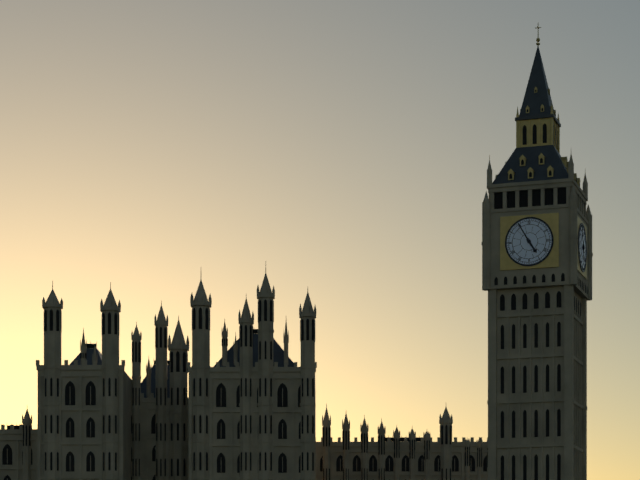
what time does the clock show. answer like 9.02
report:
4.55
